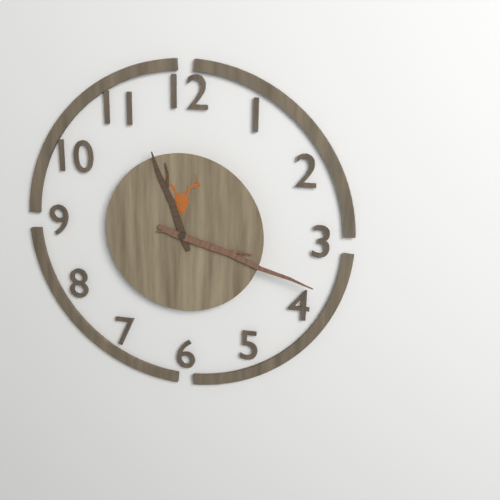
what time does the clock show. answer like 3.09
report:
11.18
